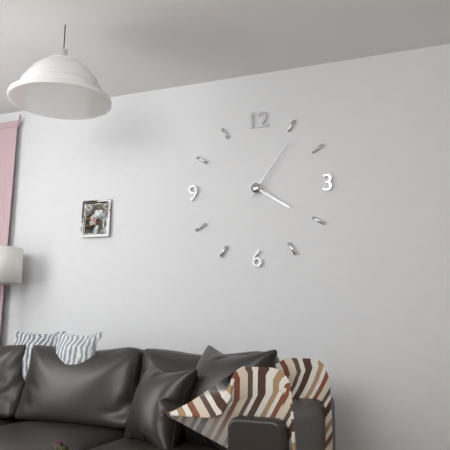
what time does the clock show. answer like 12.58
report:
4.06
